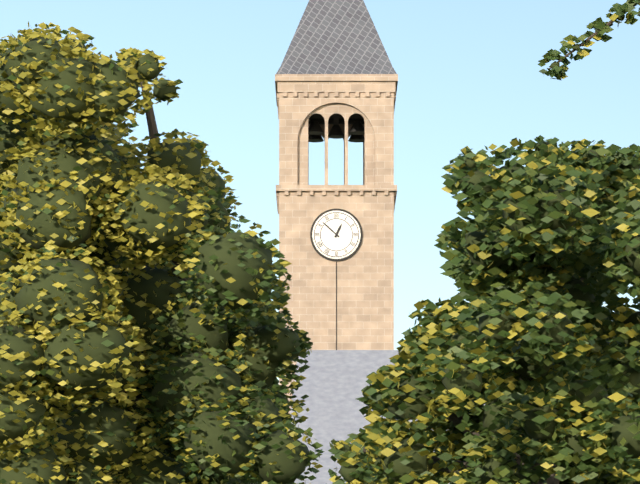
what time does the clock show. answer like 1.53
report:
12.52
